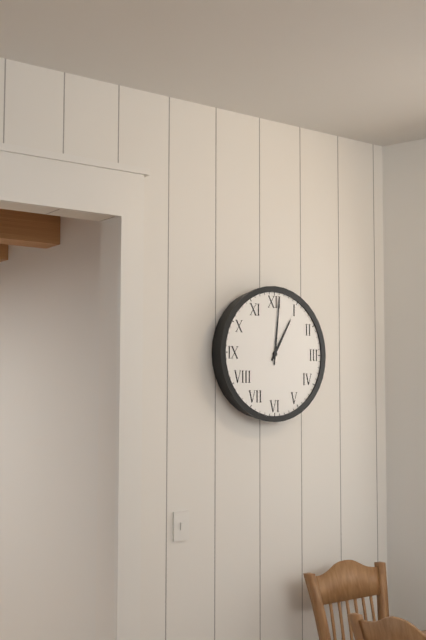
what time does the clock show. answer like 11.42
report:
1.01
